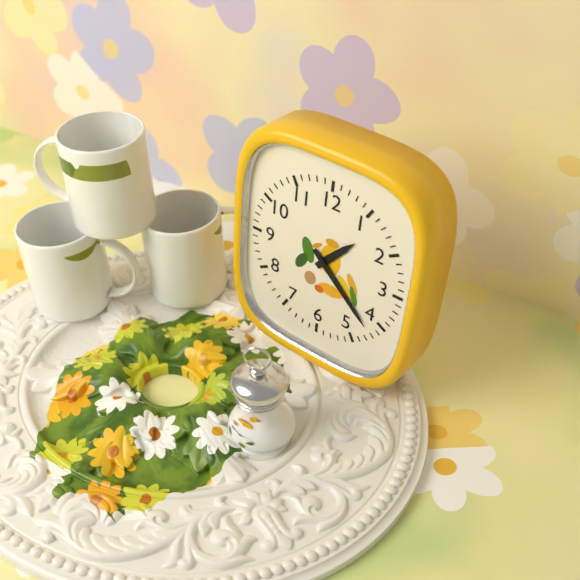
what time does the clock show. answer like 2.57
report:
1.22
